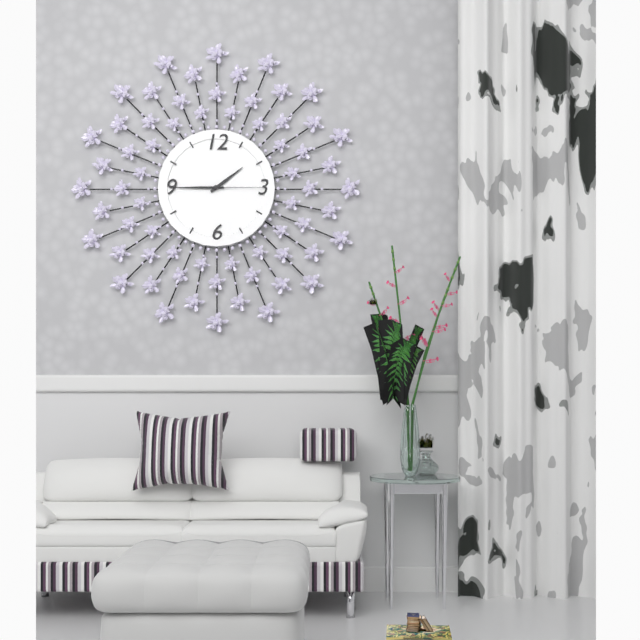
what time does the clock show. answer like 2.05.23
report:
1.45.15
